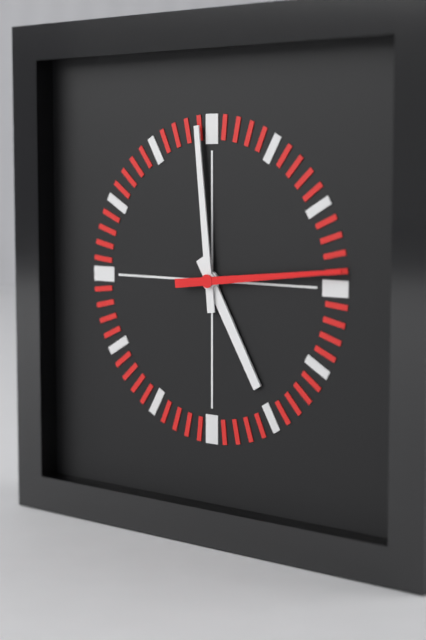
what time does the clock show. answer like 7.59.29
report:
4.59.14
